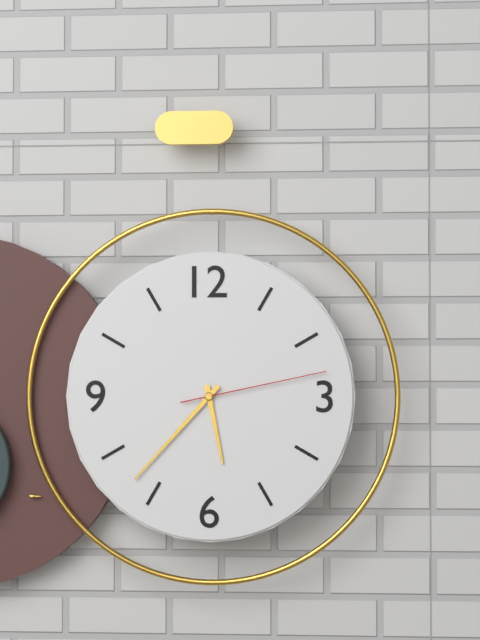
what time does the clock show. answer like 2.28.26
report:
5.37.13
